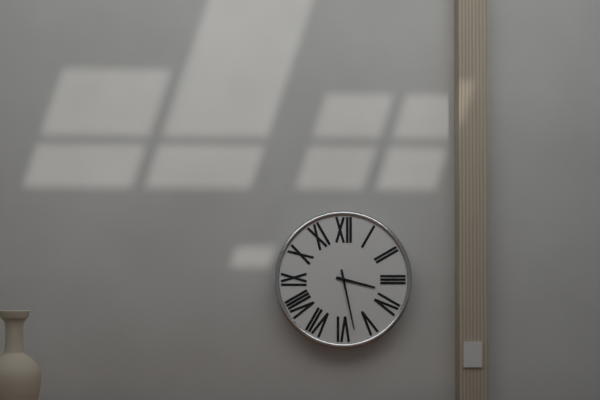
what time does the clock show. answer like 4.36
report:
3.28
